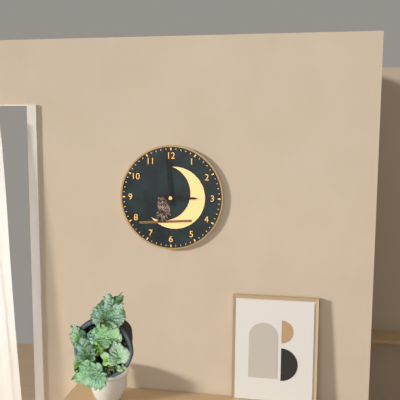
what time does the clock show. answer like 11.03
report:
2.59
